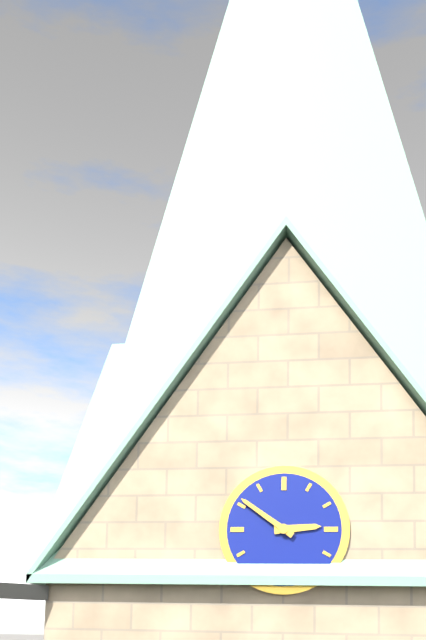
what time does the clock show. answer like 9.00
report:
2.51
